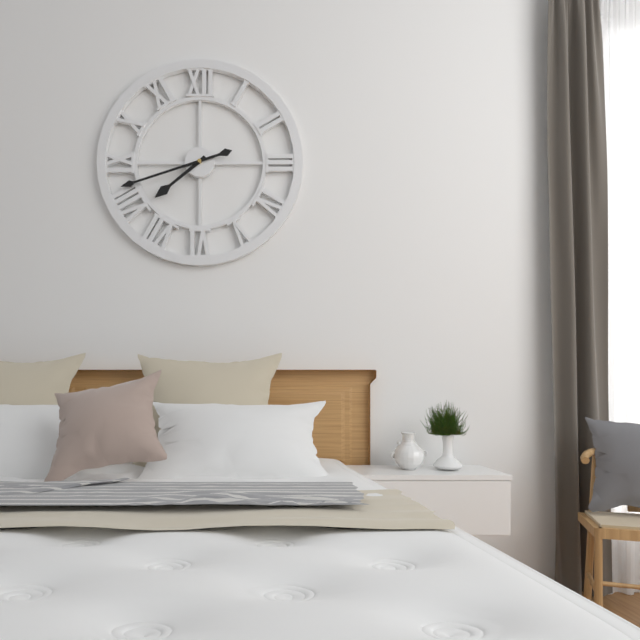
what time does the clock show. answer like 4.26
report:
7.42
